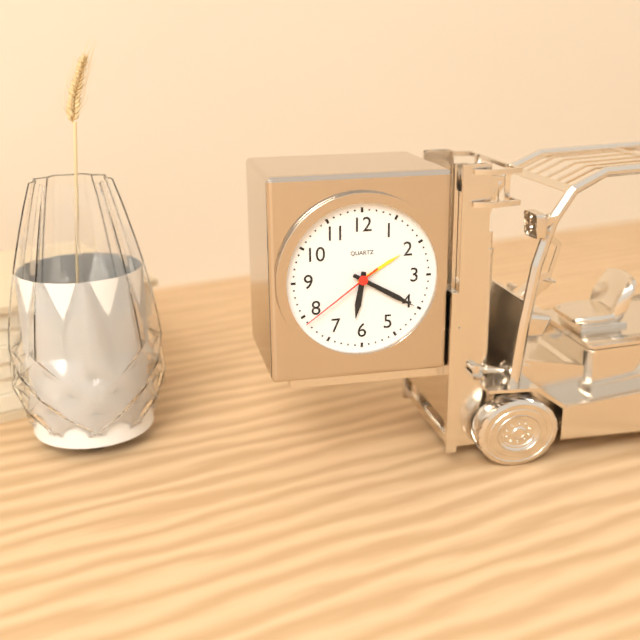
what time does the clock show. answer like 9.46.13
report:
6.20.39
